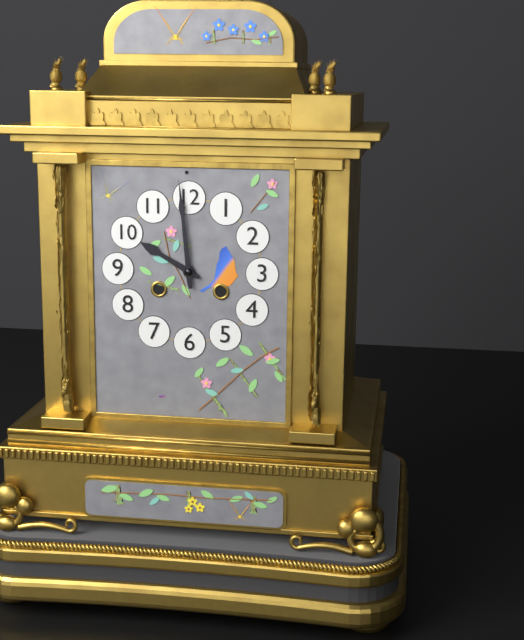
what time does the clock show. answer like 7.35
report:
9.59
